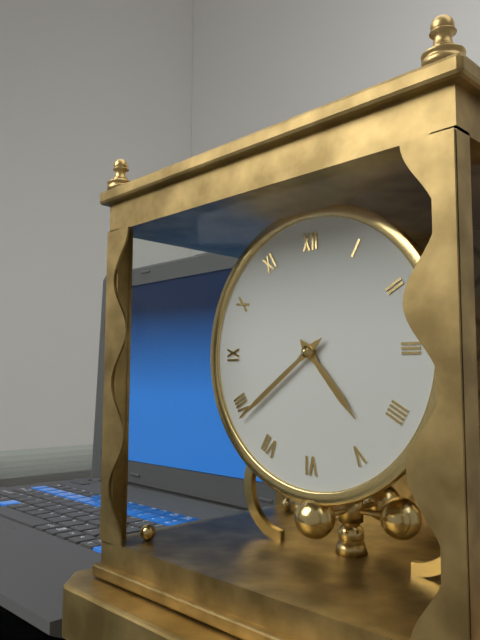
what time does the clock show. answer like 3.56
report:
4.39
